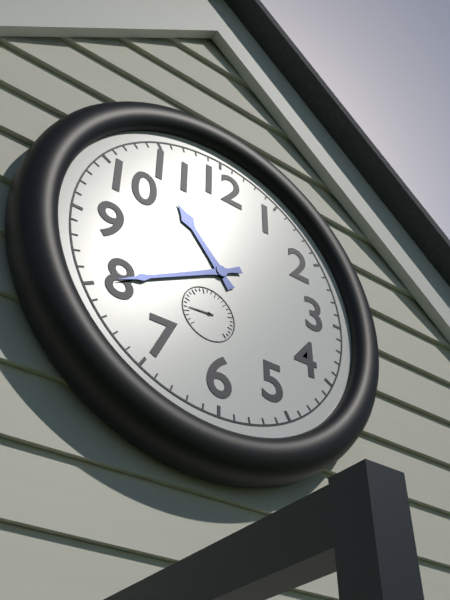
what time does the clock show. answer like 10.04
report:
10.40
